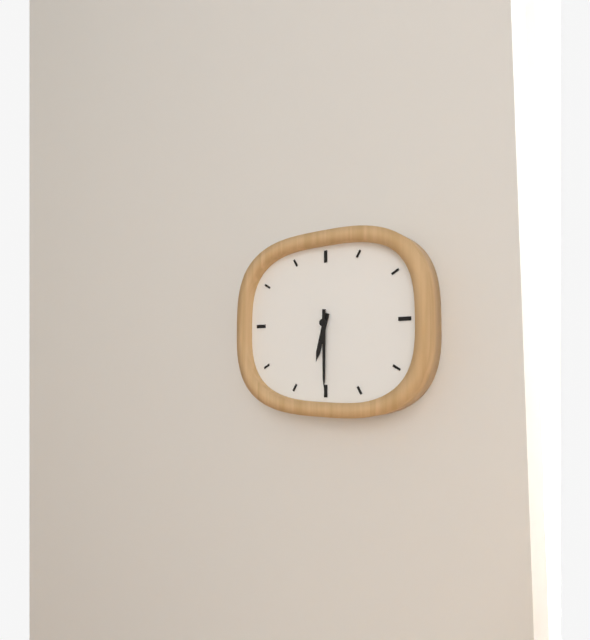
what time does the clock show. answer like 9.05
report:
6.30
